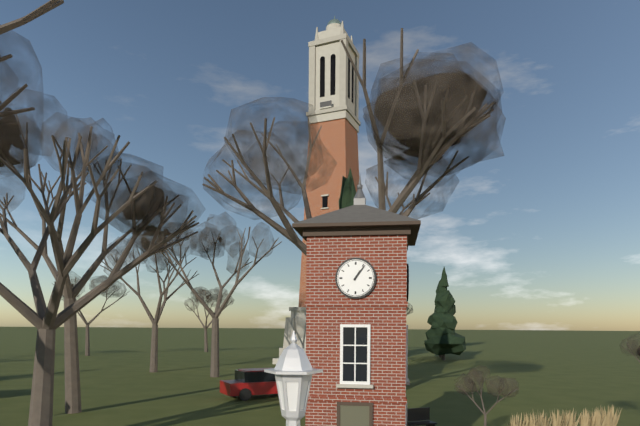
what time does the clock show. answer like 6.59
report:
1.06
